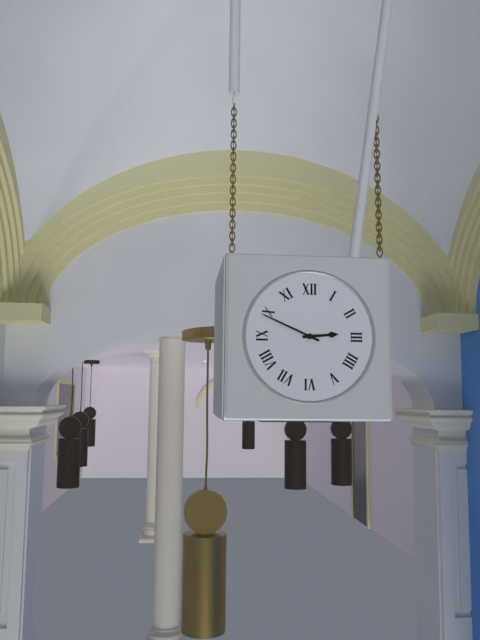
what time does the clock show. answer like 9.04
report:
2.49
